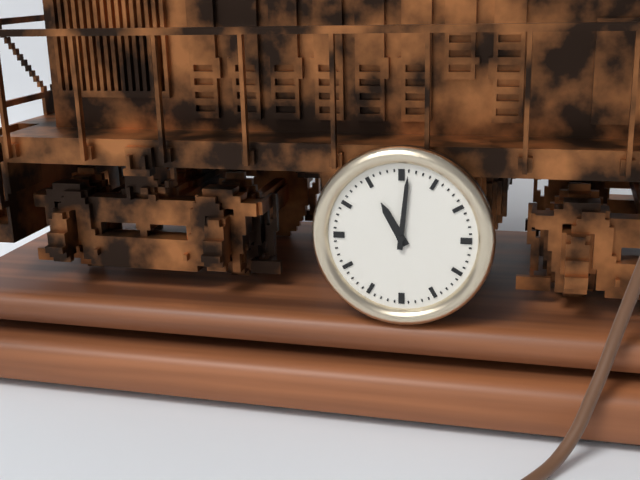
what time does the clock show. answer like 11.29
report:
11.01
